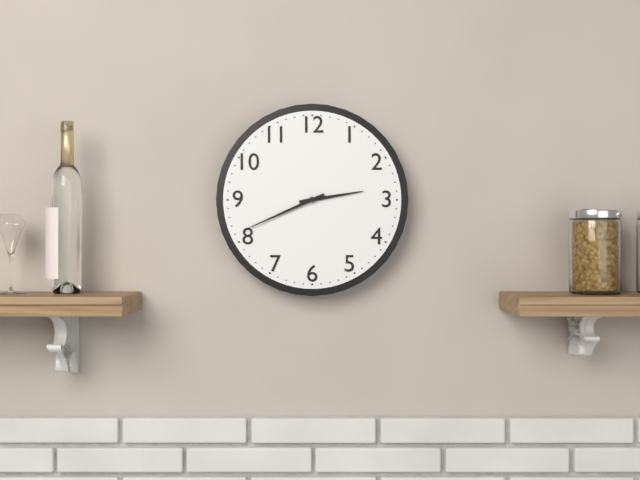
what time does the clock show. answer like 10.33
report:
2.41
